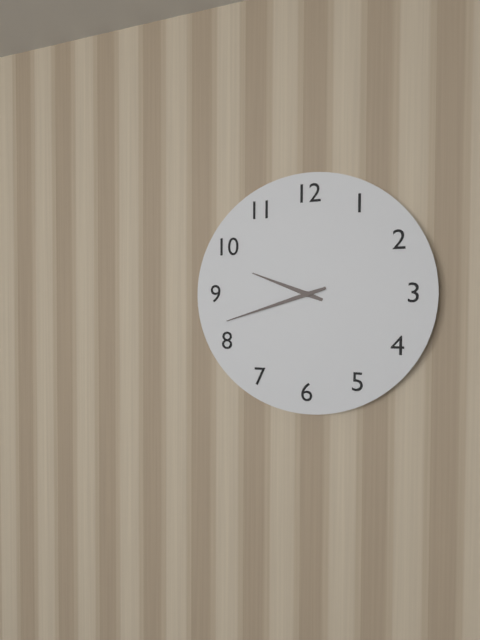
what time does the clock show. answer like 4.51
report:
9.42
